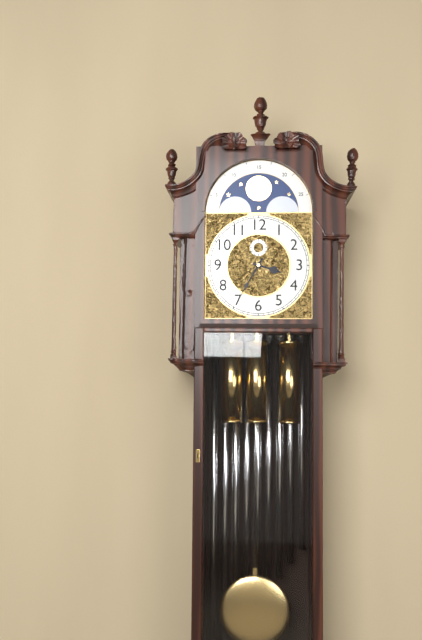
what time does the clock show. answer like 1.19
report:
3.35
